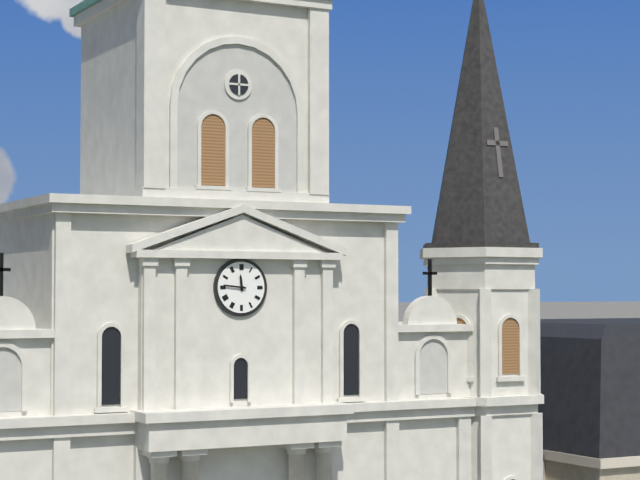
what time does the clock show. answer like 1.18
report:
11.46
